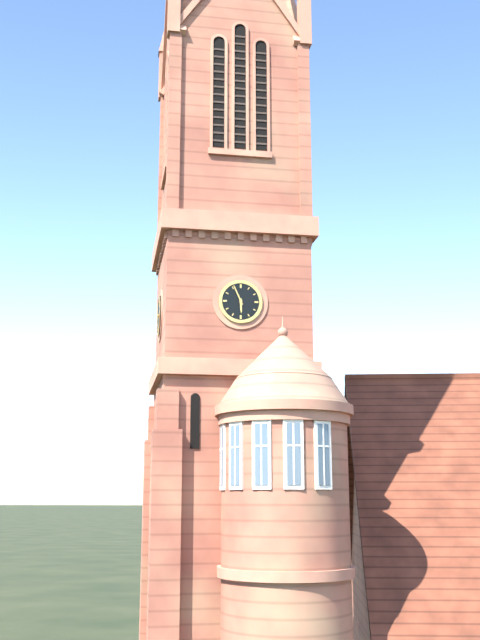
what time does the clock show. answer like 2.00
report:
5.56
